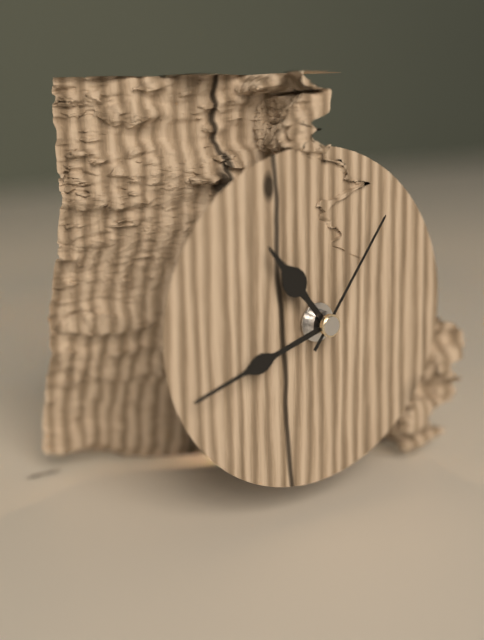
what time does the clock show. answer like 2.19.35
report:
10.42.06
